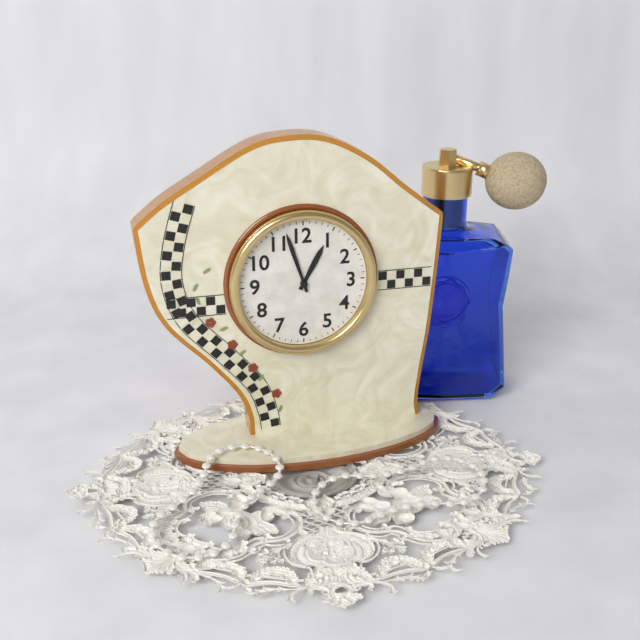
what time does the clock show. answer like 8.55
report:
12.57
